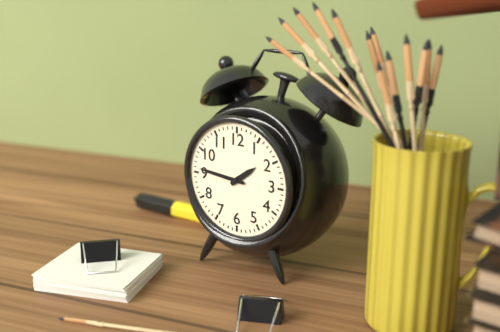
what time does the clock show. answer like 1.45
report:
1.46
